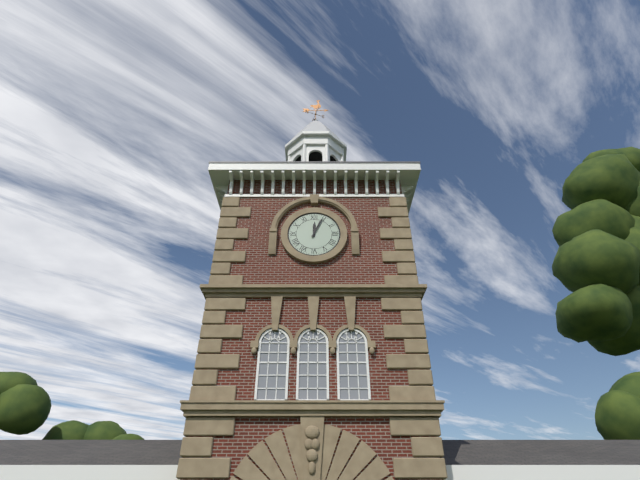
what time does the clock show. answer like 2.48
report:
12.04
